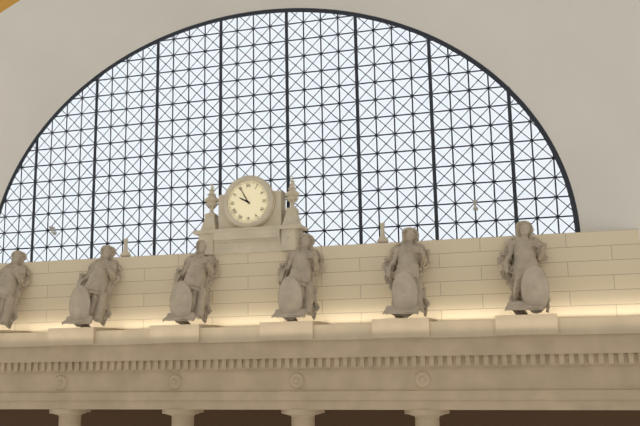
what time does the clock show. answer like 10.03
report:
9.55
